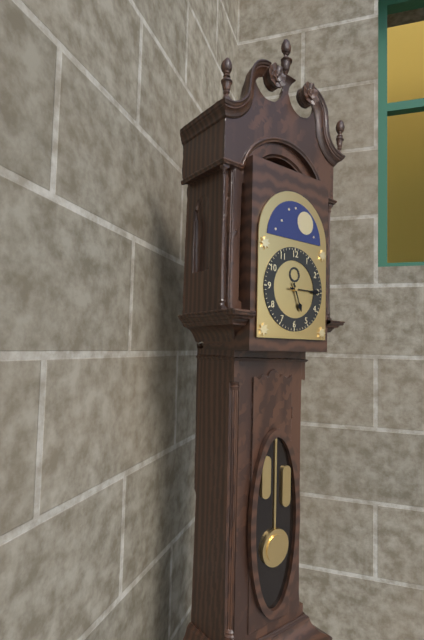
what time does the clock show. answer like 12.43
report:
5.15
